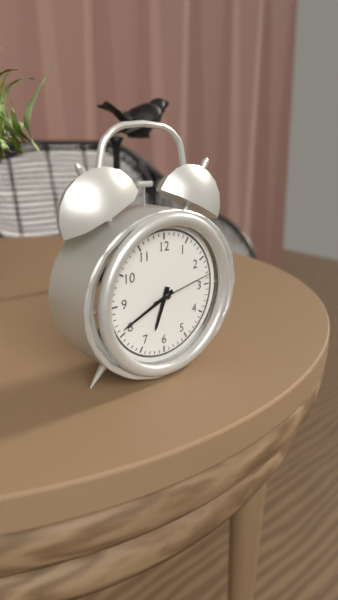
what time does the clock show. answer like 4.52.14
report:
6.41.13
